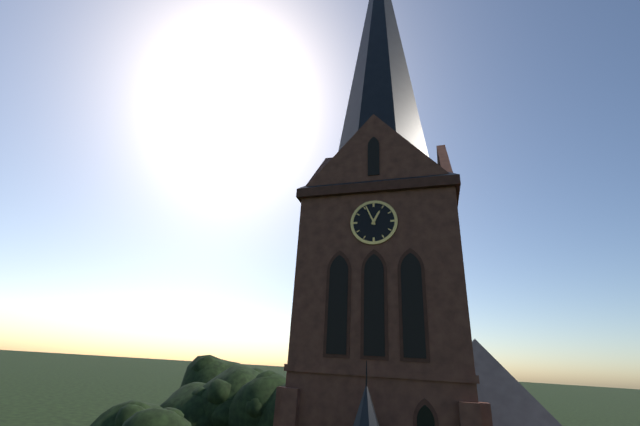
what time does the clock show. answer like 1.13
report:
12.56
